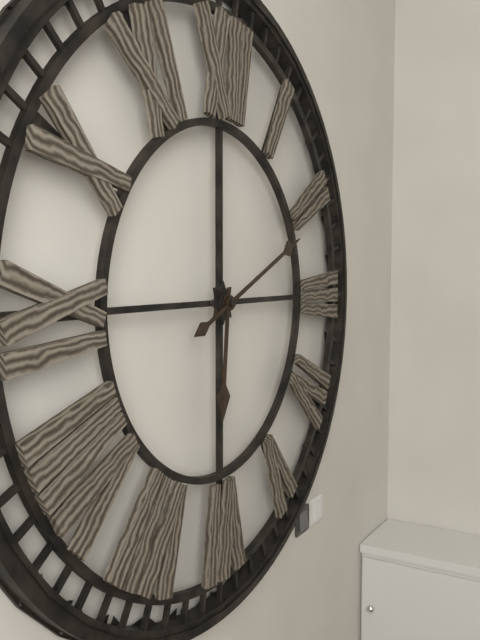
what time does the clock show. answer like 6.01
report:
6.11
